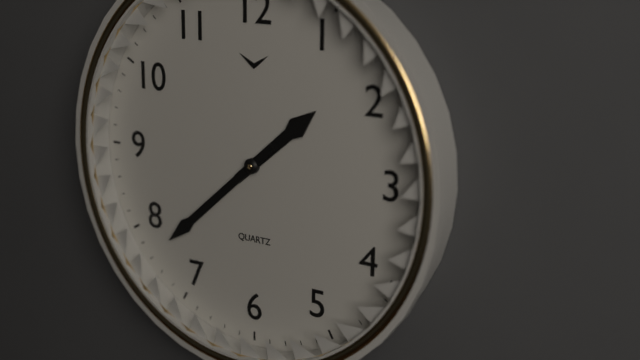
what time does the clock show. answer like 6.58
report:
1.38
